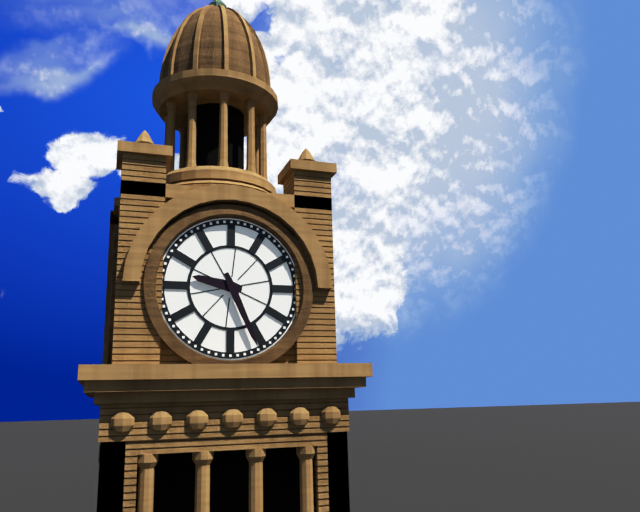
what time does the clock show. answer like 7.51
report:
9.26
